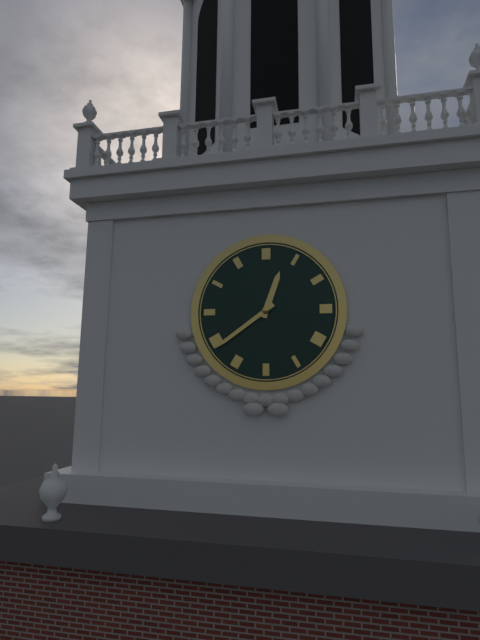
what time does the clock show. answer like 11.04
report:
12.39
